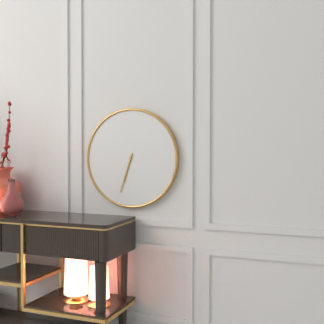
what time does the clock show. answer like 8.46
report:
6.33
